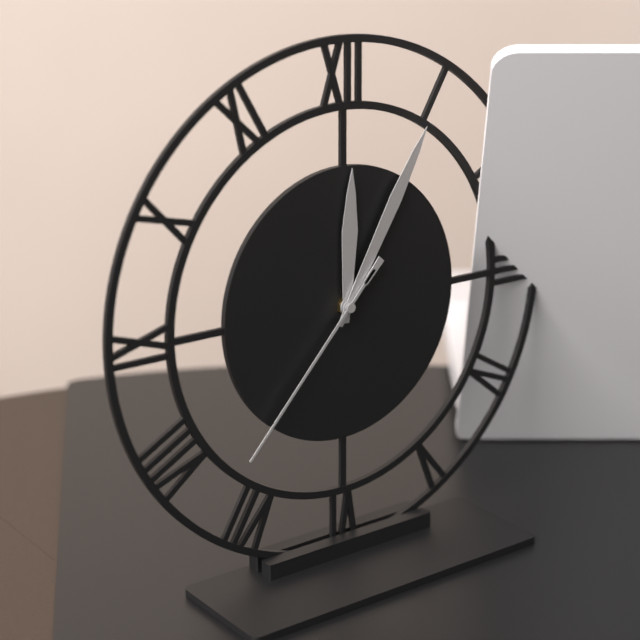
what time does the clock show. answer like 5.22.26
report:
12.05.37
